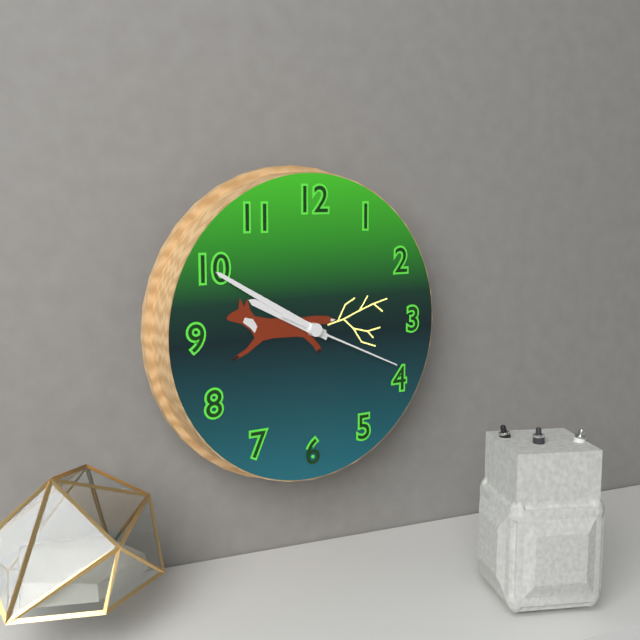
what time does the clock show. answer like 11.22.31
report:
9.50.19
